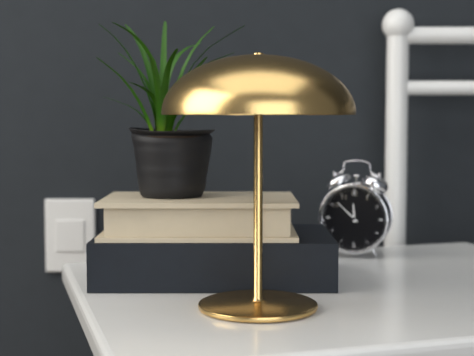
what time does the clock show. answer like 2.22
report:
11.52
